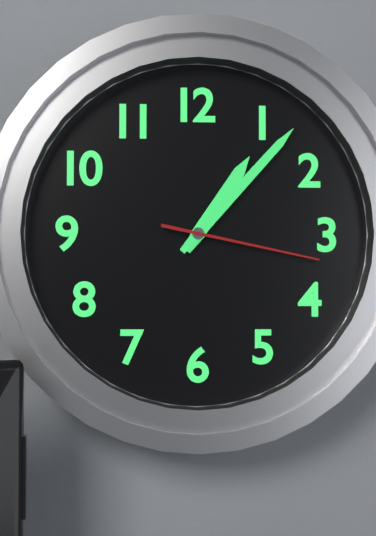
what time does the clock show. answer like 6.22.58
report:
1.07.17
